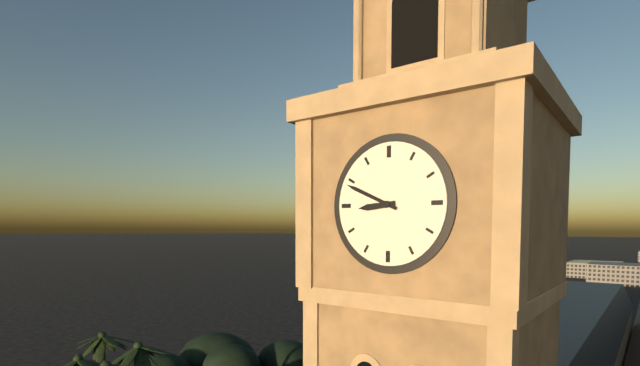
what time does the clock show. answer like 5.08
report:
8.49
